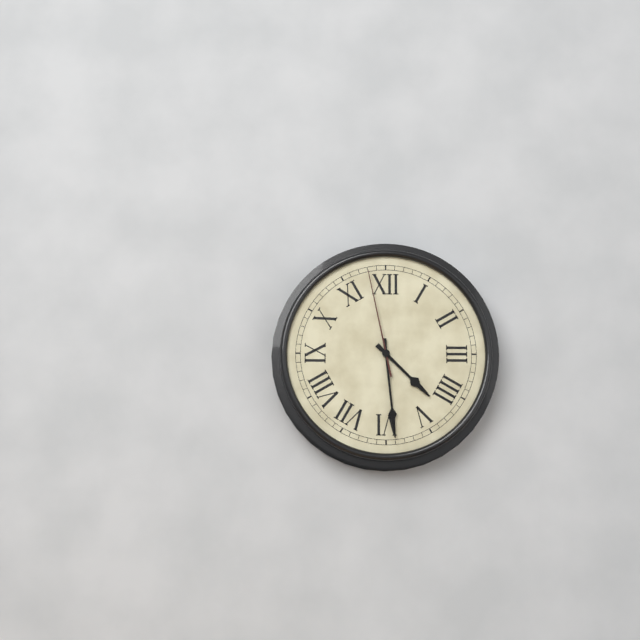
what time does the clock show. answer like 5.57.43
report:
4.29.58
